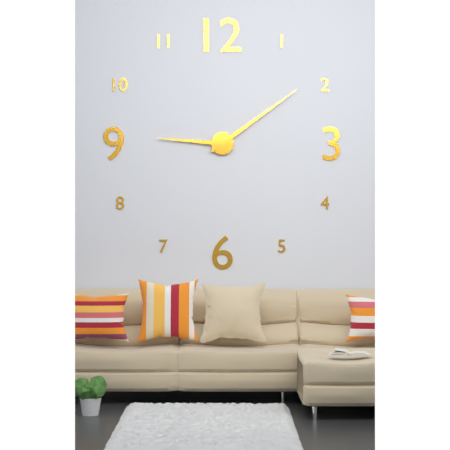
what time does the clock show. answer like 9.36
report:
9.09
